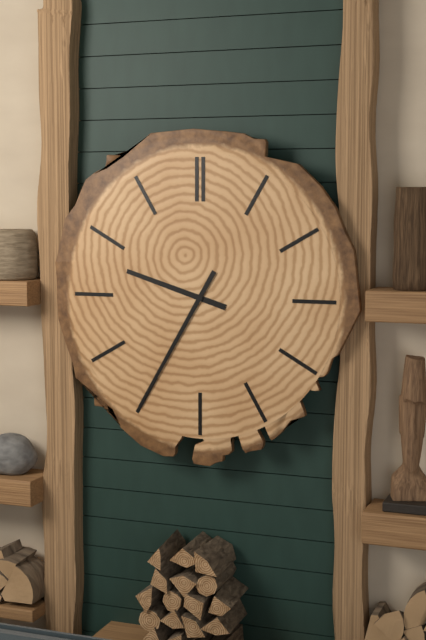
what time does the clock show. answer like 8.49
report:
9.35
